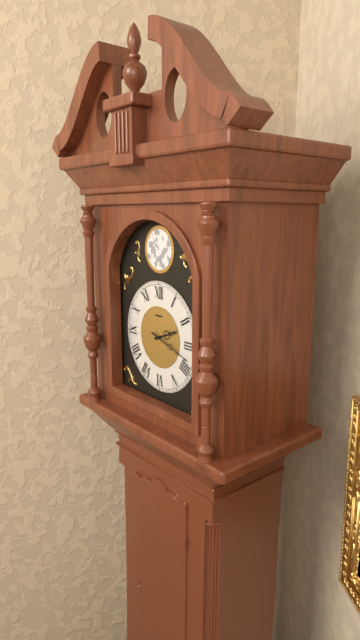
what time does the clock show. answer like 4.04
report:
2.18
